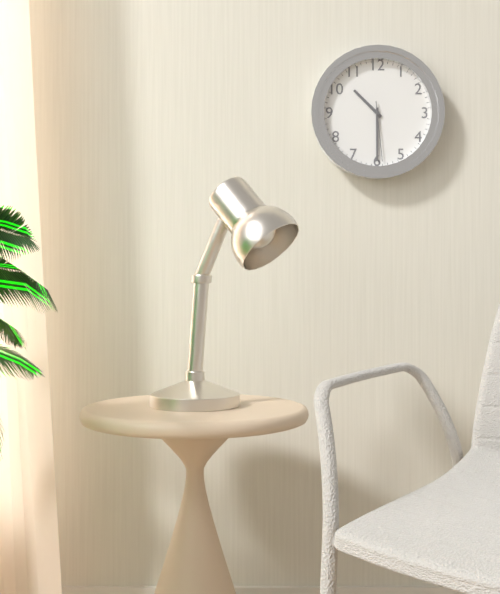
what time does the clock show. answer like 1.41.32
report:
10.30.29
